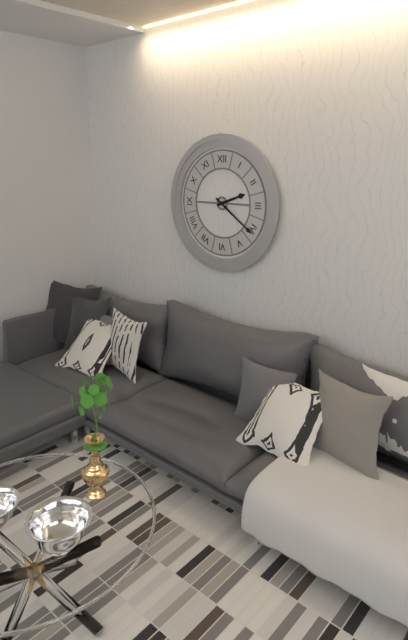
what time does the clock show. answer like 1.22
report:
2.21
